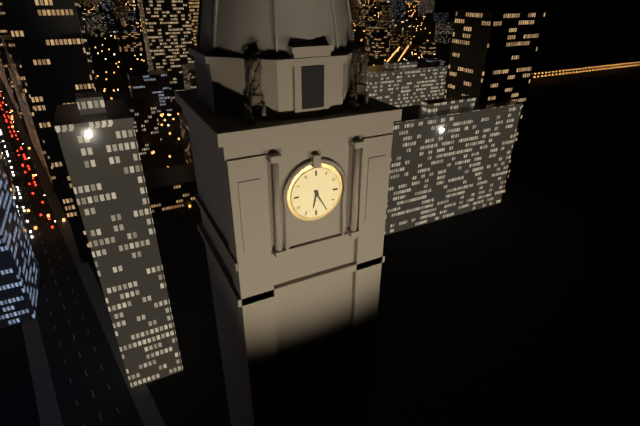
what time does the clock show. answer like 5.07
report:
6.25
